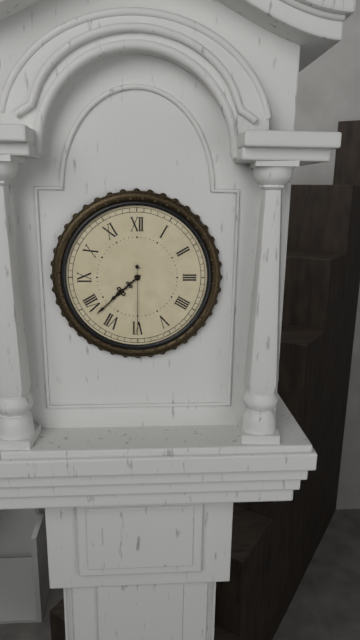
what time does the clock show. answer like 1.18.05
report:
7.38.30
